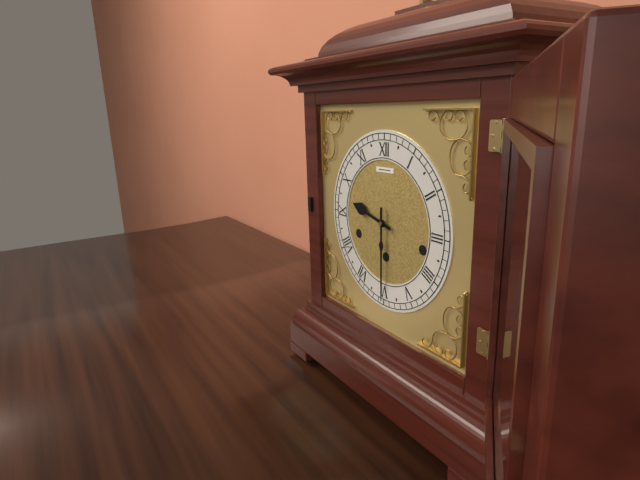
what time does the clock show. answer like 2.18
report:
9.30
